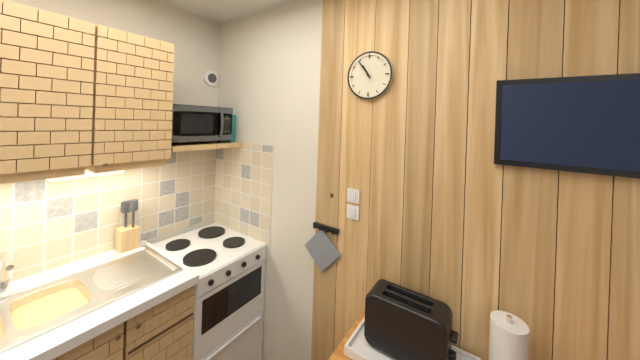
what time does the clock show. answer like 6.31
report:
10.54
